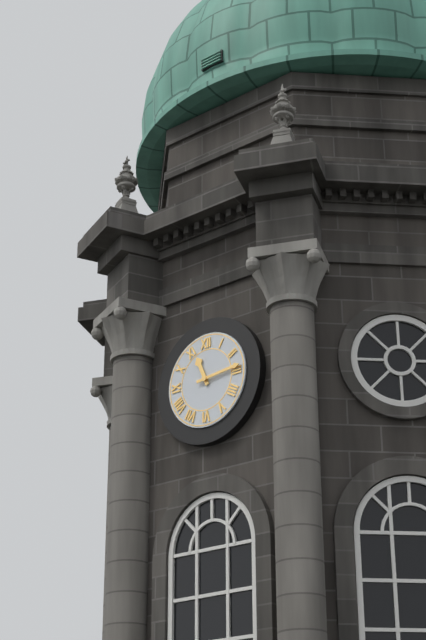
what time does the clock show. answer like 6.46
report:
11.14
